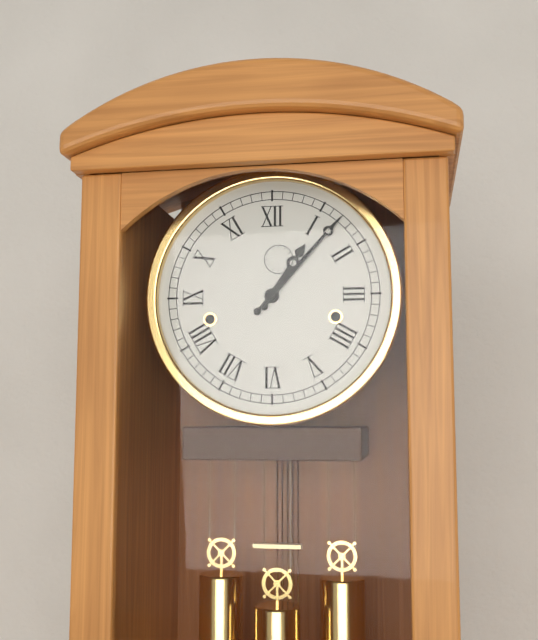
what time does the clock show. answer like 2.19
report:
1.07
